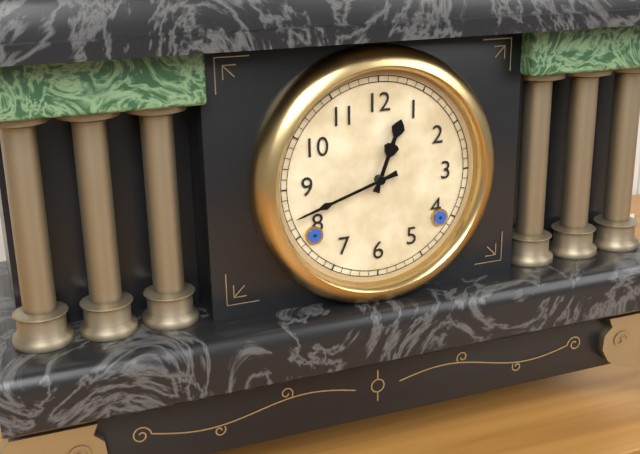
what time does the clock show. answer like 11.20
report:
12.42
